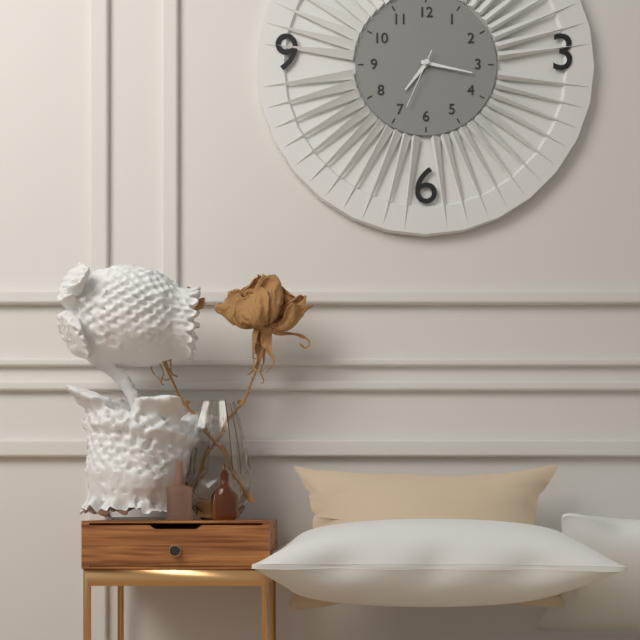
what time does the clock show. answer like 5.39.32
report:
7.17.34
